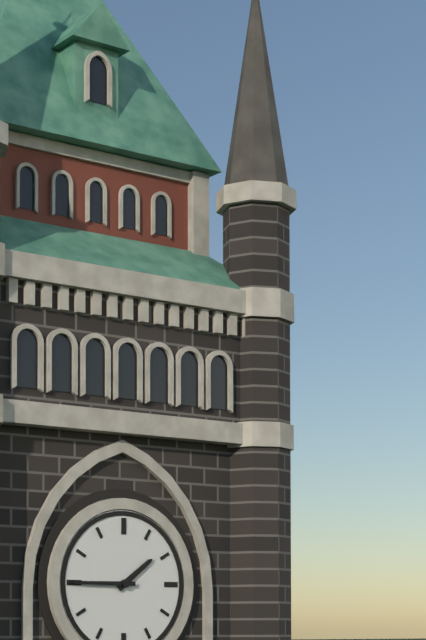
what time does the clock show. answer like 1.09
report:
1.45
